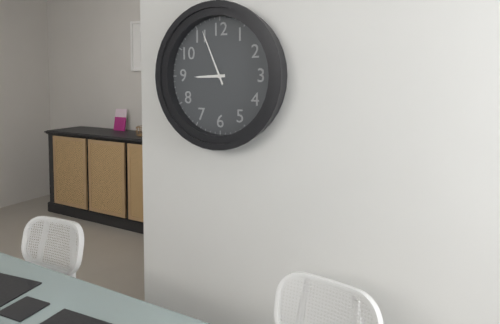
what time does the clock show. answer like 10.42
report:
8.56
